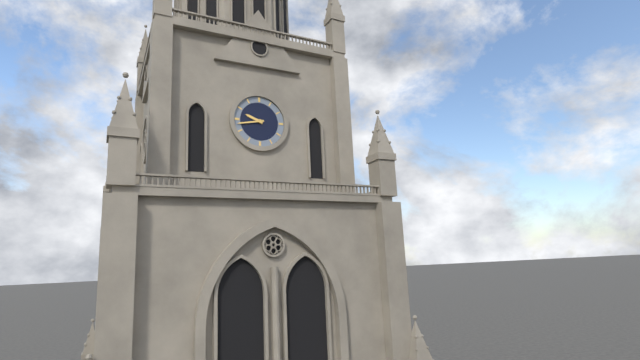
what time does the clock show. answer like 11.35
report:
9.43
